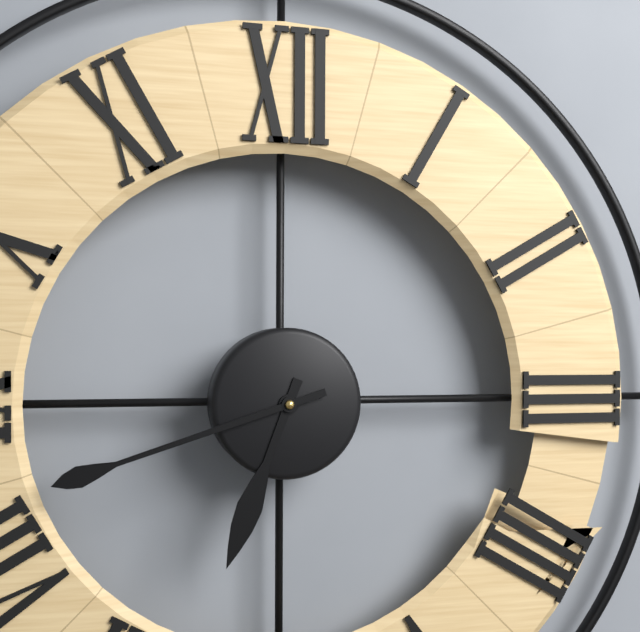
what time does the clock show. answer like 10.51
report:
6.42
